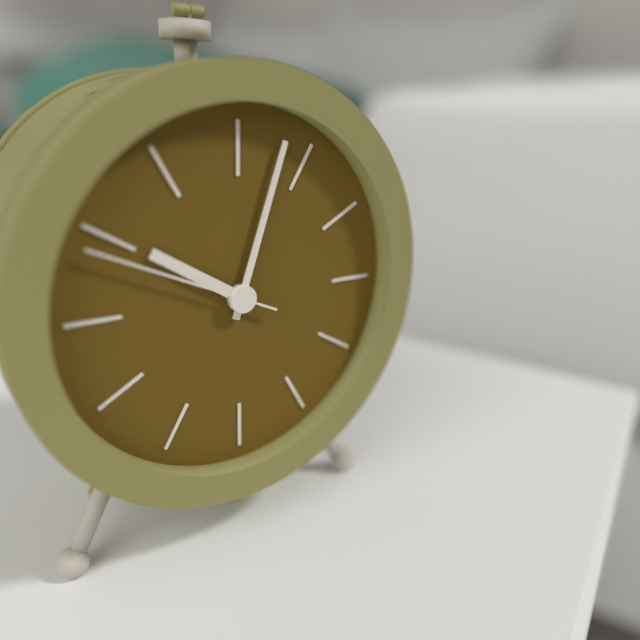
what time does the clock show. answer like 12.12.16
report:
10.03.49
